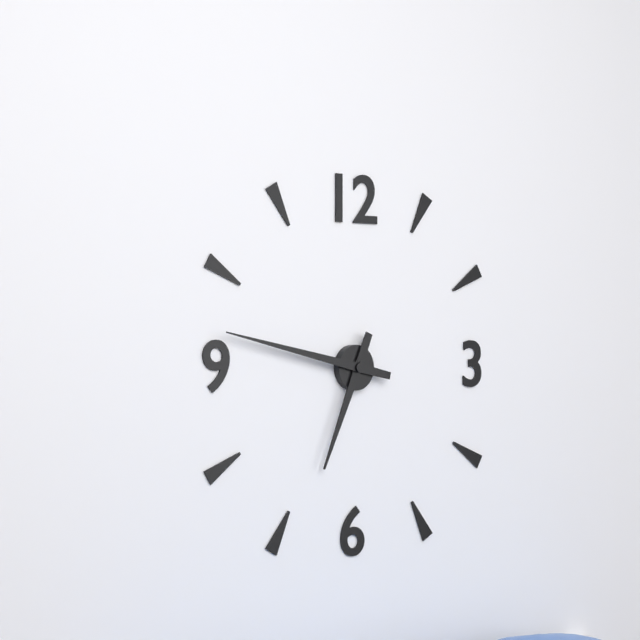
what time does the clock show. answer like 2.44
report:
6.47
